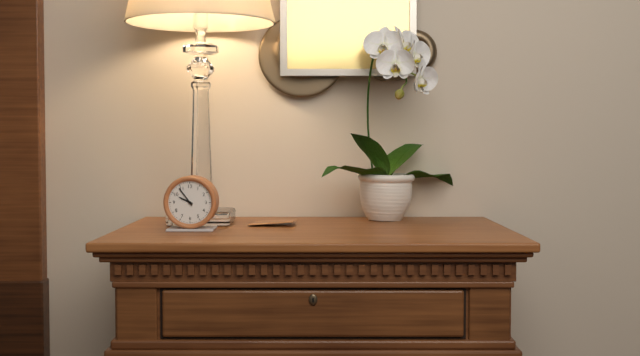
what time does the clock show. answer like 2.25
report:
9.54
